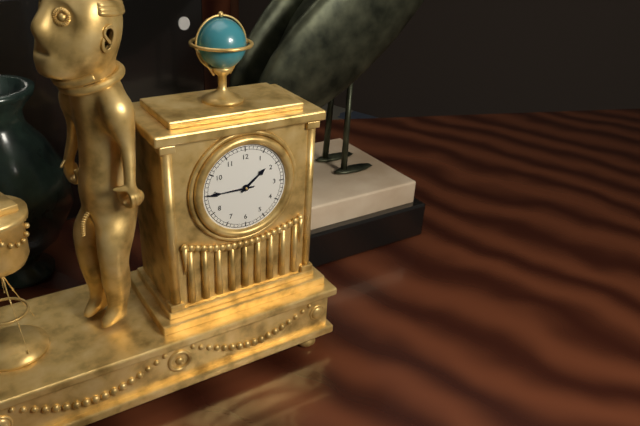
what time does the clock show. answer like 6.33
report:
1.45
